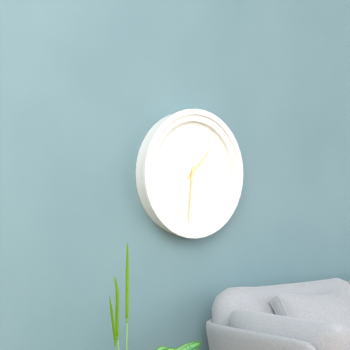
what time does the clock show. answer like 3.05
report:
1.31
